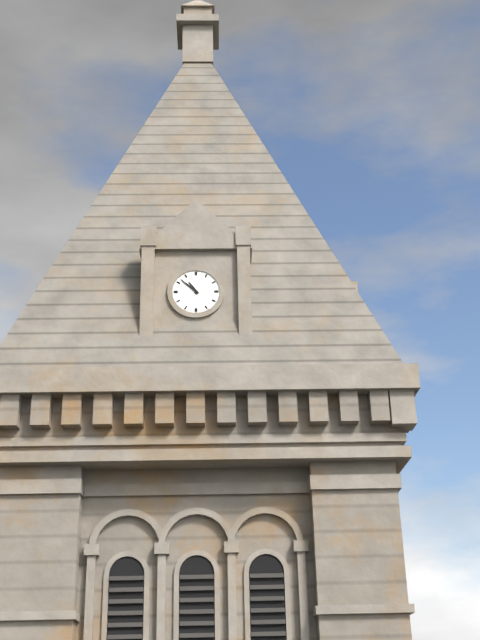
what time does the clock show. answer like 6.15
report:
10.52
